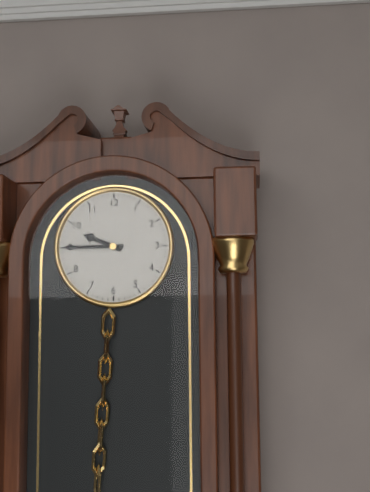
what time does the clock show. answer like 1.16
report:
9.45
